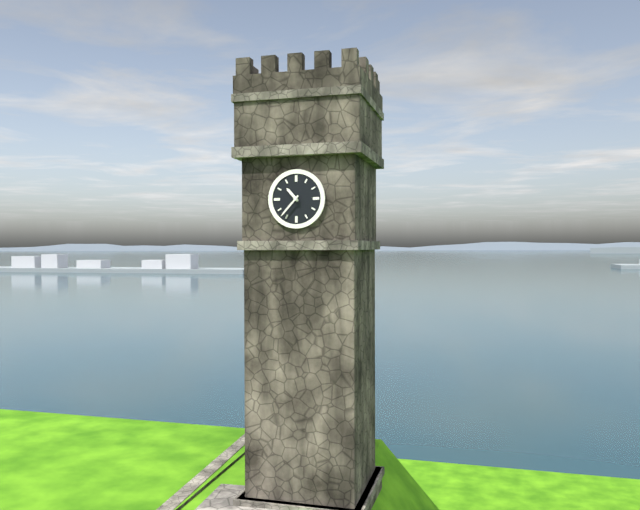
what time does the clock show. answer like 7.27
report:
10.37
